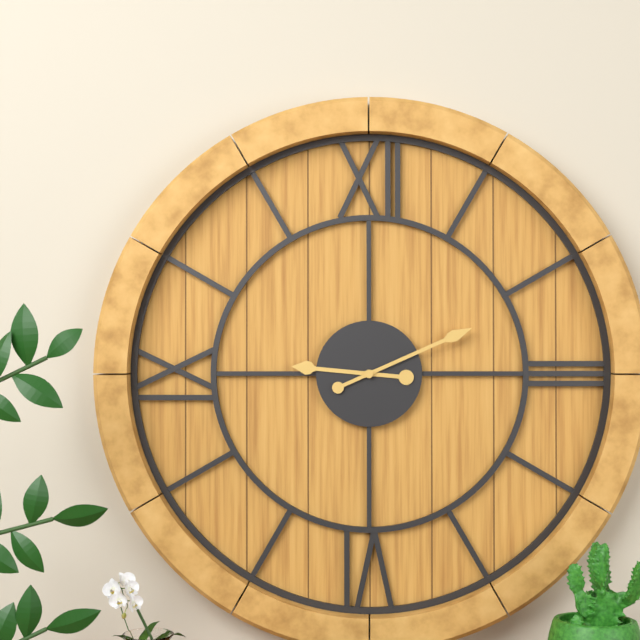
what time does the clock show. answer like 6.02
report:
9.11
